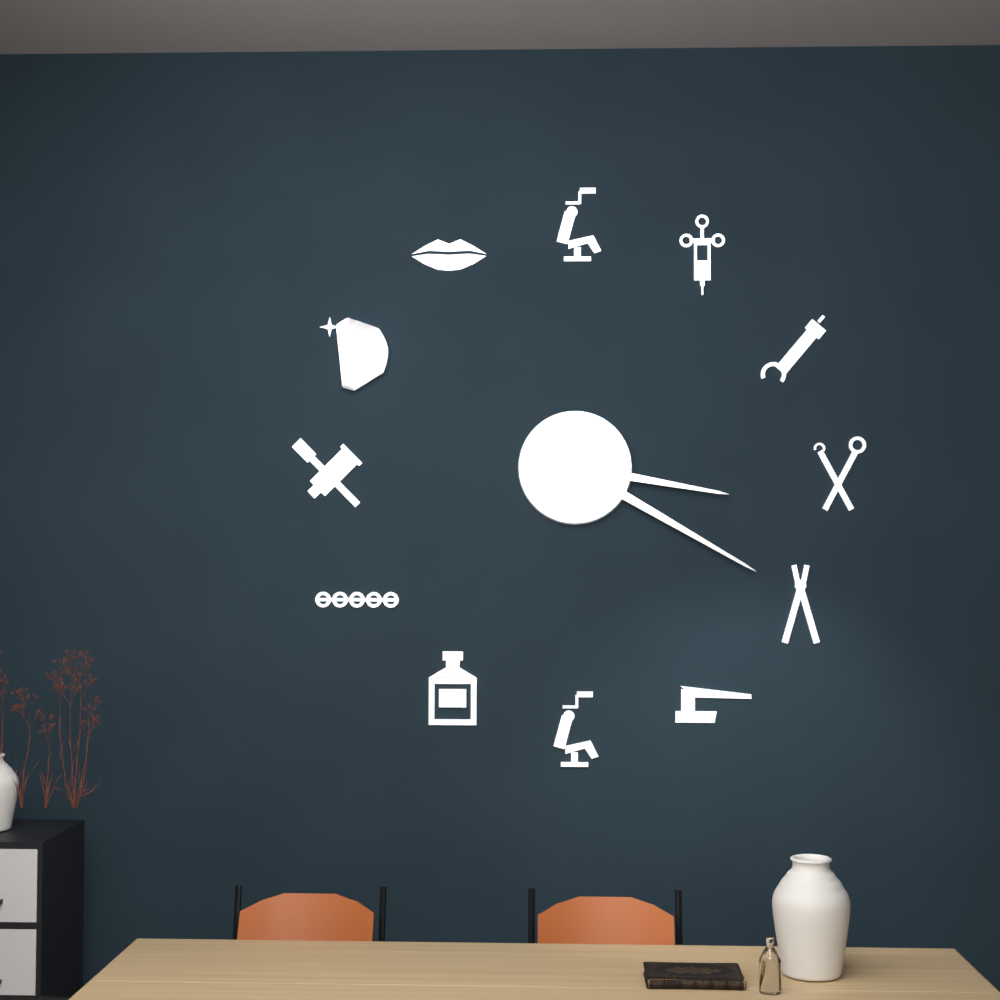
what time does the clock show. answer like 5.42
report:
3.20
